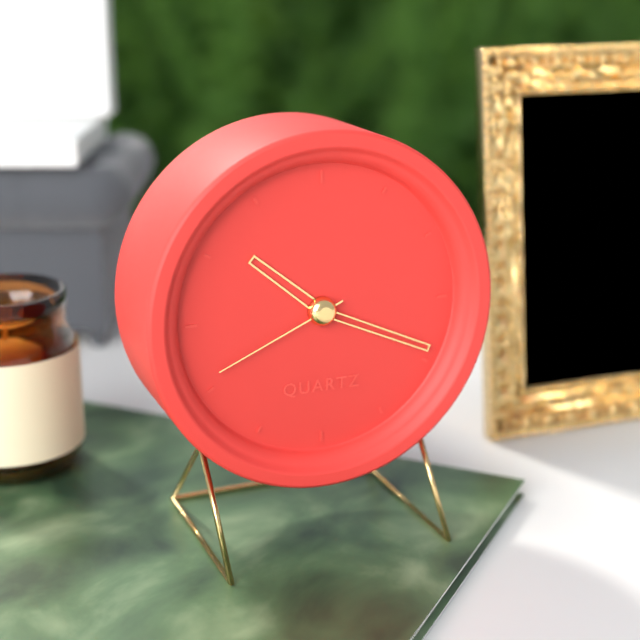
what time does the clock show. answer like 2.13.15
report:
10.19.41
